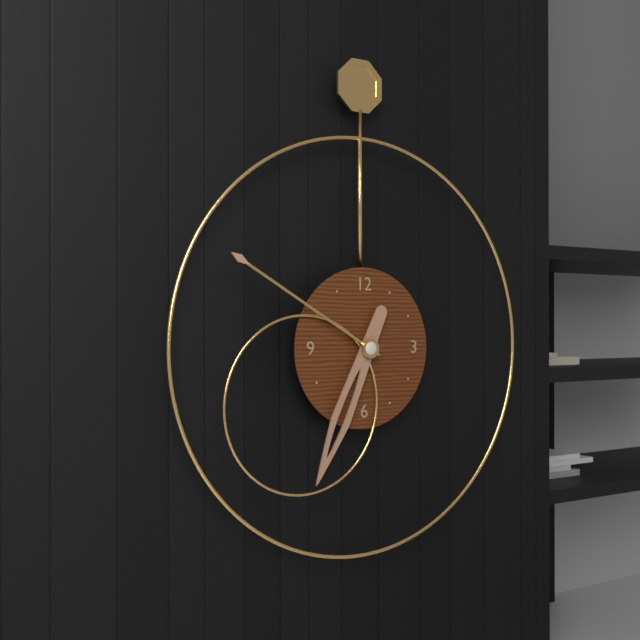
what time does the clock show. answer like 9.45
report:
6.50
